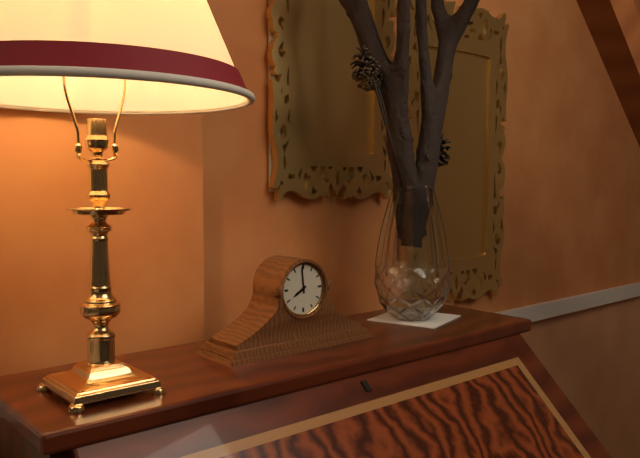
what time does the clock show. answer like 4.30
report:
7.59
